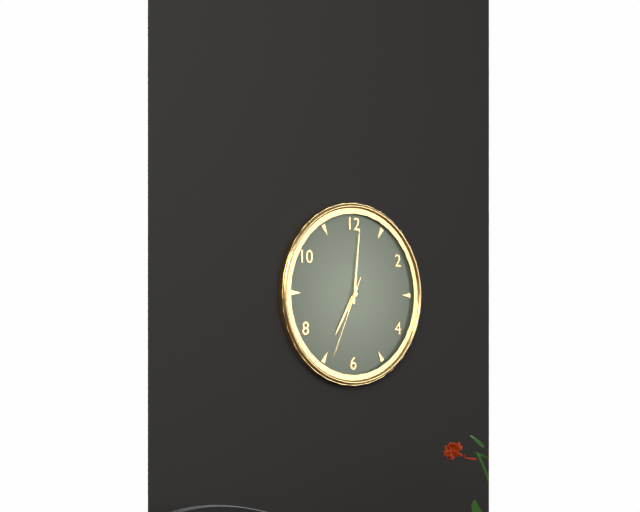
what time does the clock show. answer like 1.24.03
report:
7.01.34
